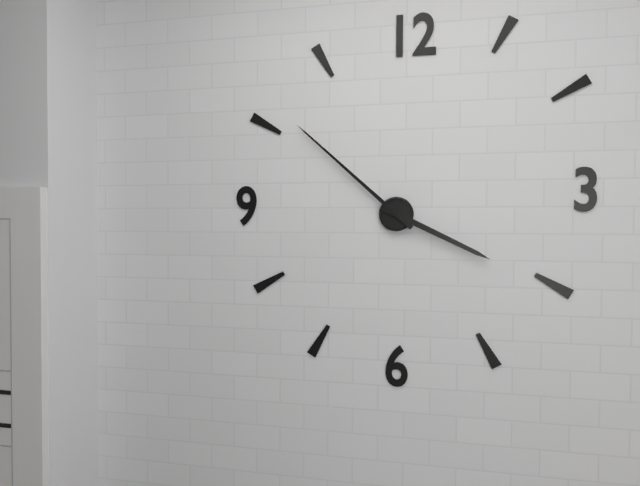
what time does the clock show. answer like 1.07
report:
3.52
